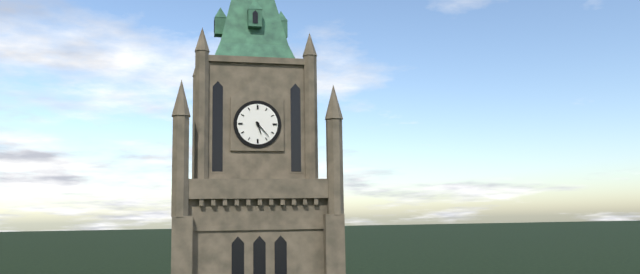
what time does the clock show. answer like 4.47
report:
5.23
